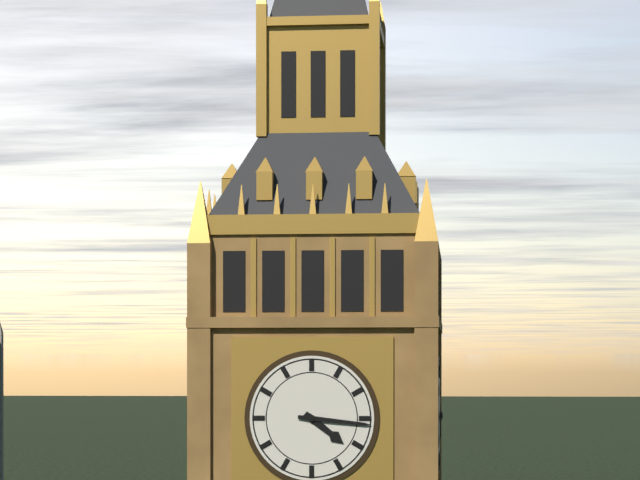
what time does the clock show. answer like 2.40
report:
4.16
